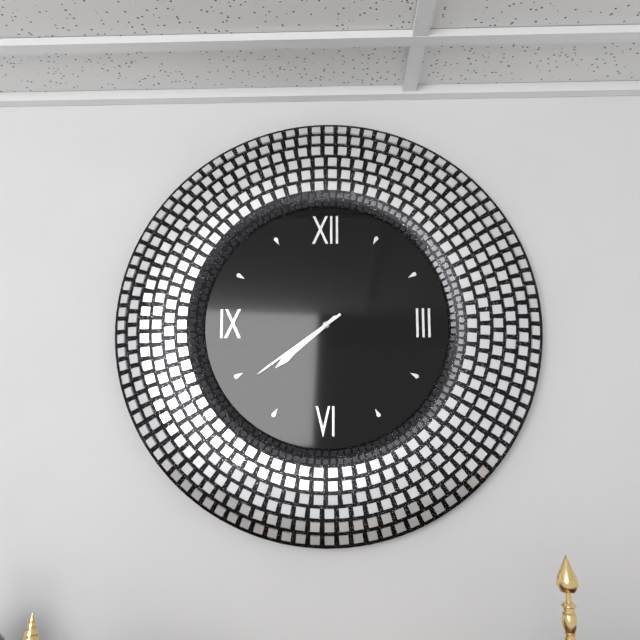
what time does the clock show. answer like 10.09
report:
7.39
